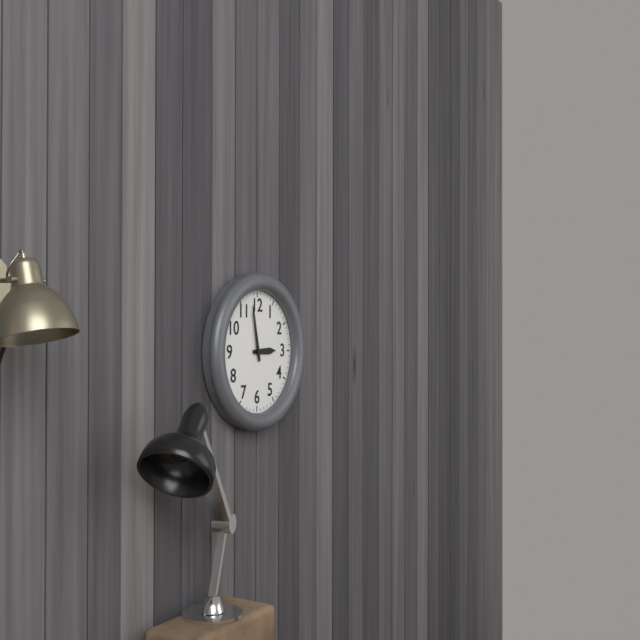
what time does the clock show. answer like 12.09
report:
2.58
